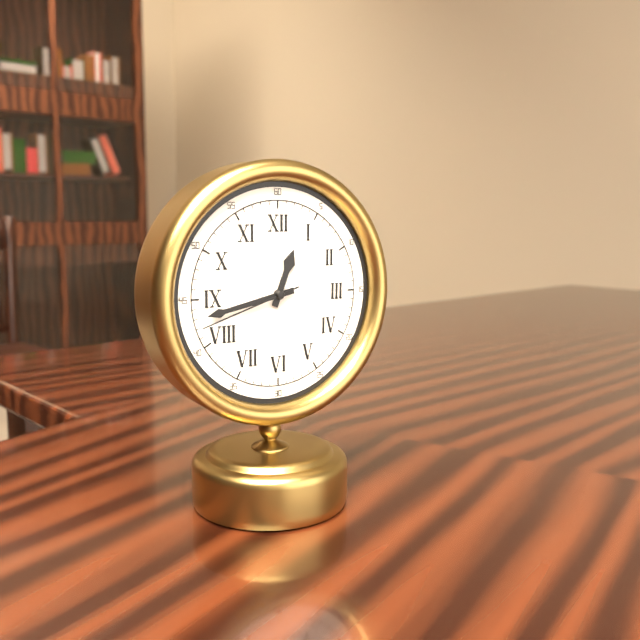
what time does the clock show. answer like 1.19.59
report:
12.43.42
